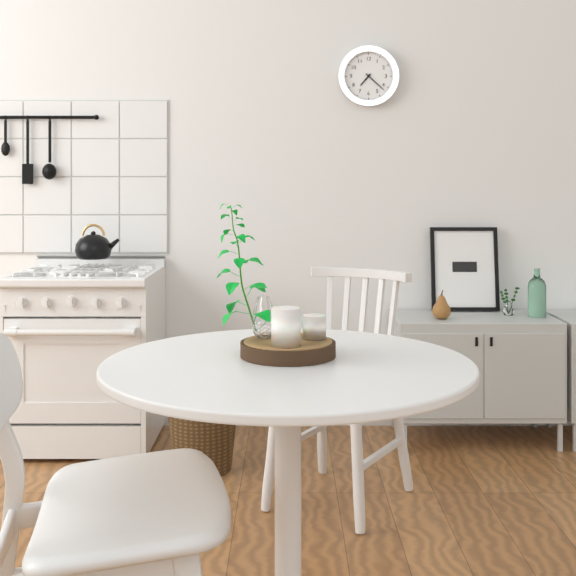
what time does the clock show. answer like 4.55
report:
7.22
